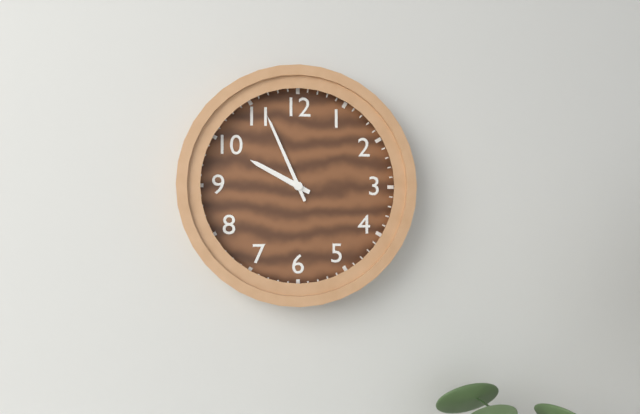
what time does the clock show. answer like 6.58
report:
9.56
